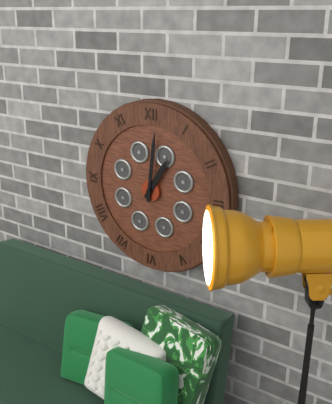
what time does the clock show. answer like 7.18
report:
1.01
